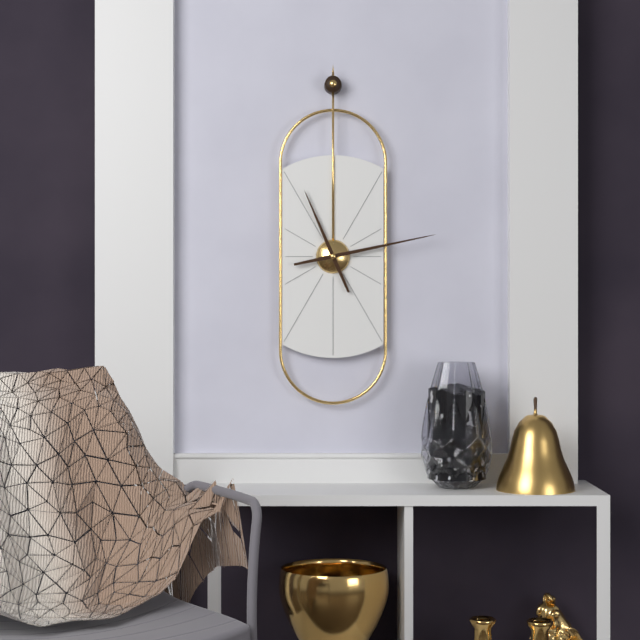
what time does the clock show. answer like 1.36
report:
11.13
